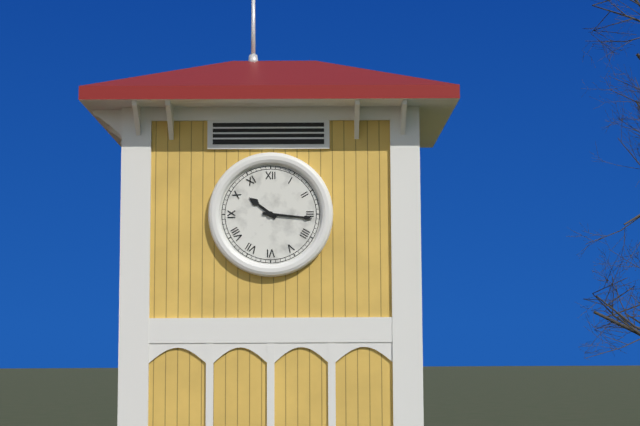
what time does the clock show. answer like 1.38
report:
10.16
